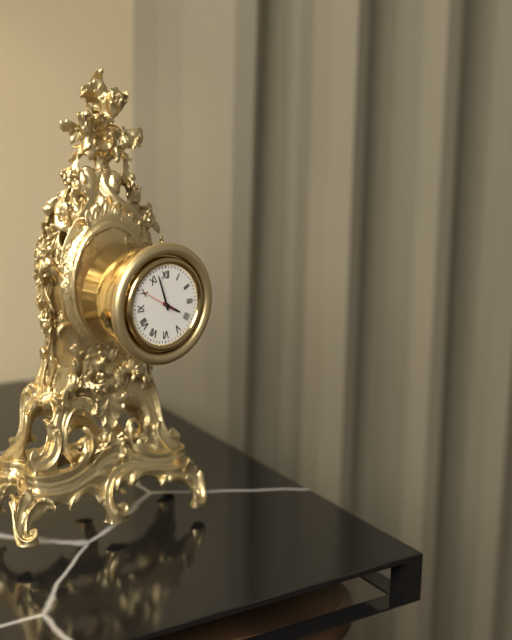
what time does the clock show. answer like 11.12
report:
3.57
